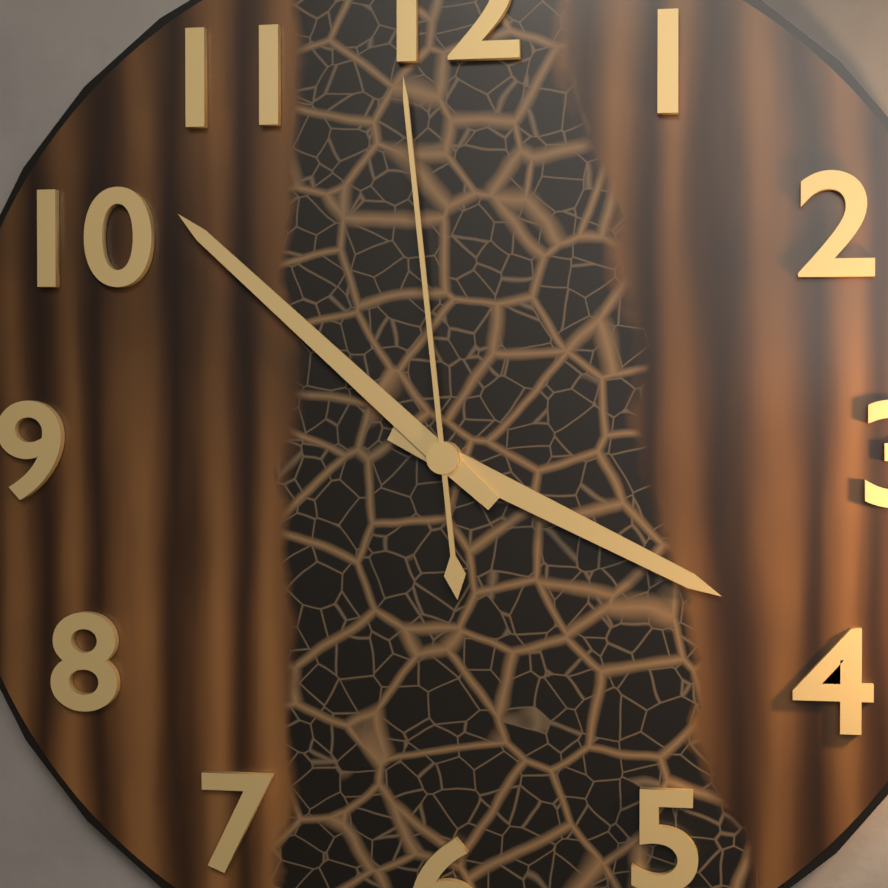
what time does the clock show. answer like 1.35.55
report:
3.52.59
